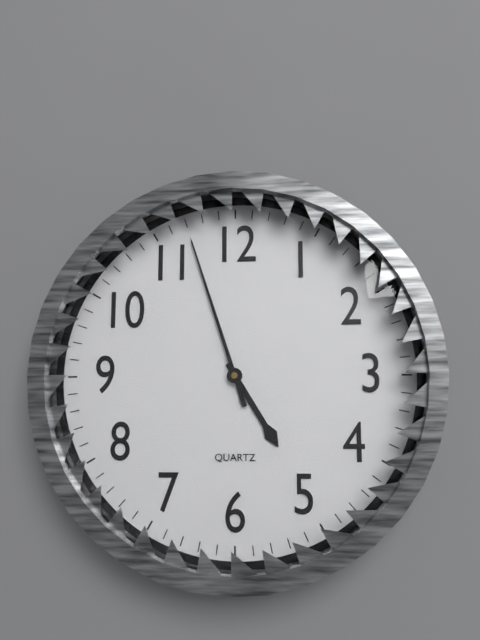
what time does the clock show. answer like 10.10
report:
4.57
